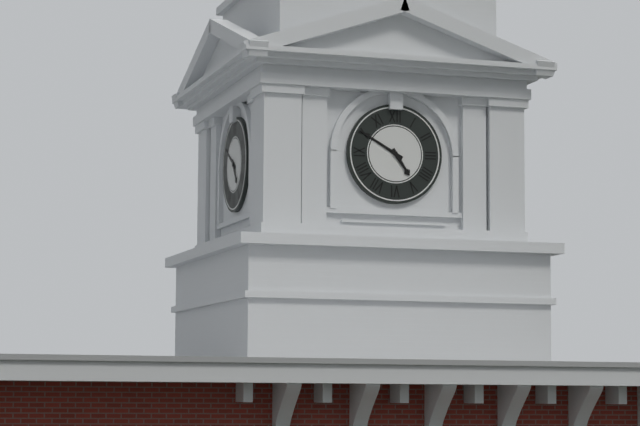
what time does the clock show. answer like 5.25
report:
4.50
